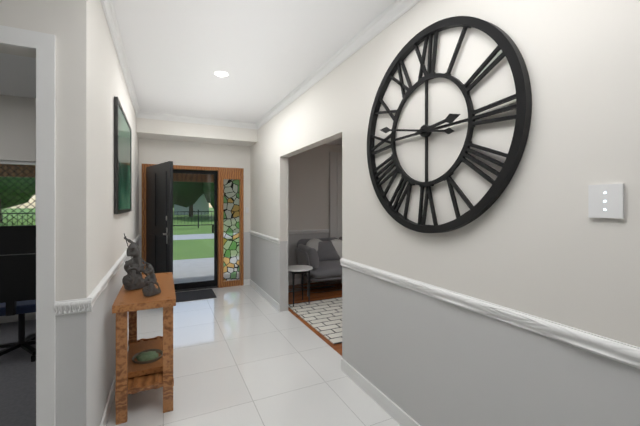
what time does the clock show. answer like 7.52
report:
2.47
